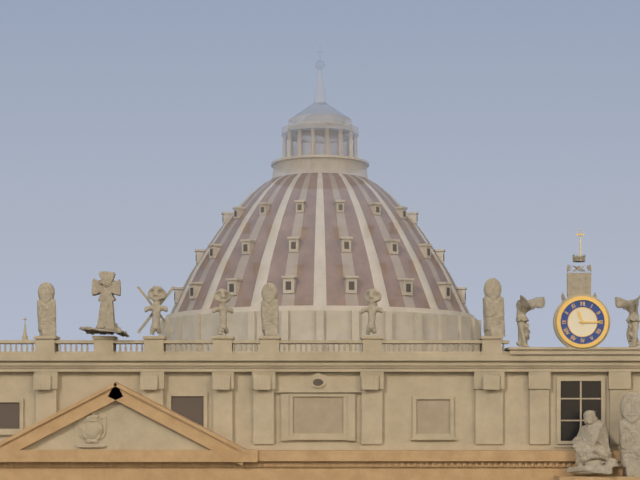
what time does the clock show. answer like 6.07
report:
11.15
